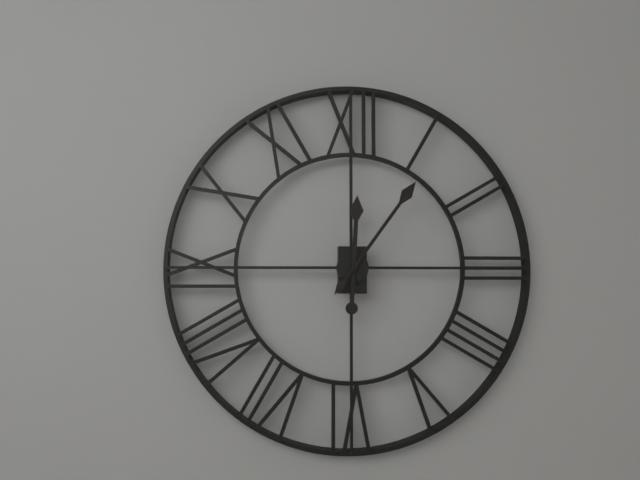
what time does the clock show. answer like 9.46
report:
12.06
